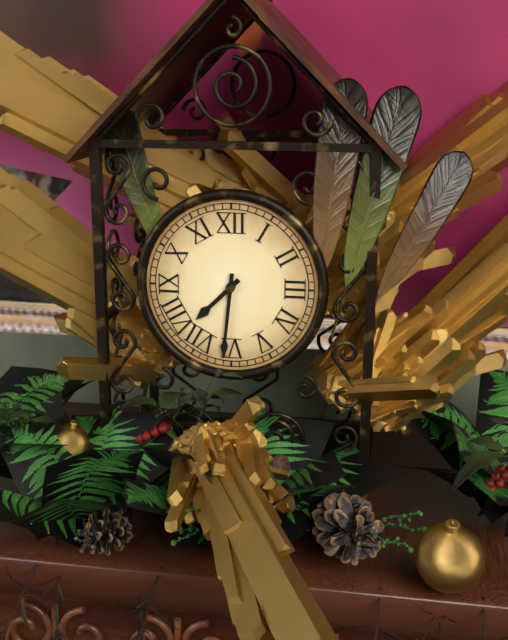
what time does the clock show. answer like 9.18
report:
7.31
